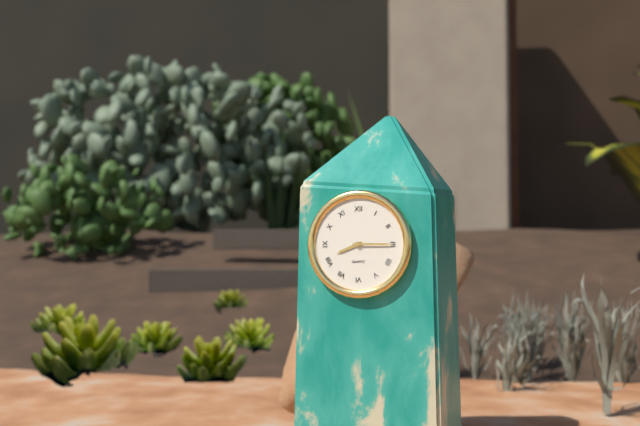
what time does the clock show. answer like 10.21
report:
8.15
